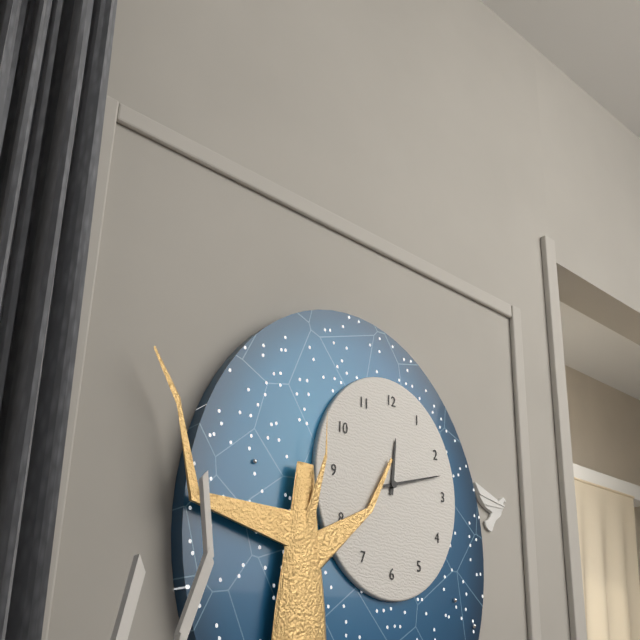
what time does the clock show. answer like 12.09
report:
12.12
